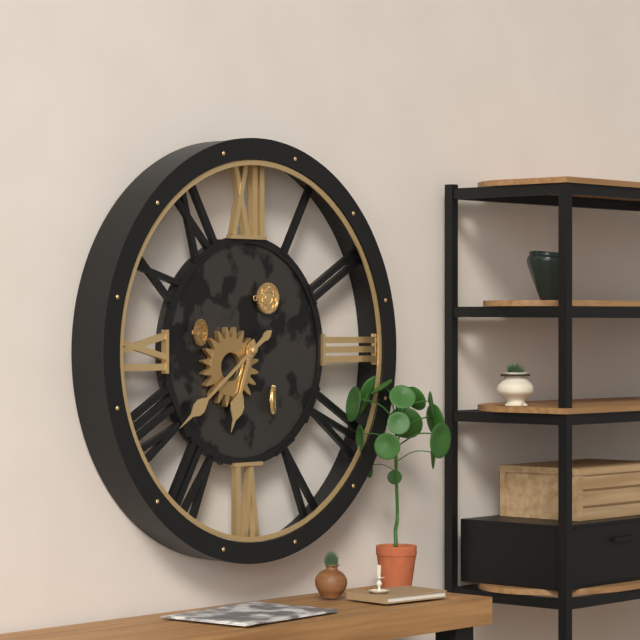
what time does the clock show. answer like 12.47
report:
6.39
